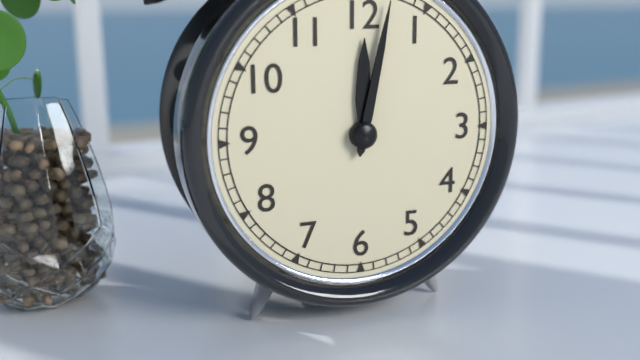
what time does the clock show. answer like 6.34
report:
12.02
